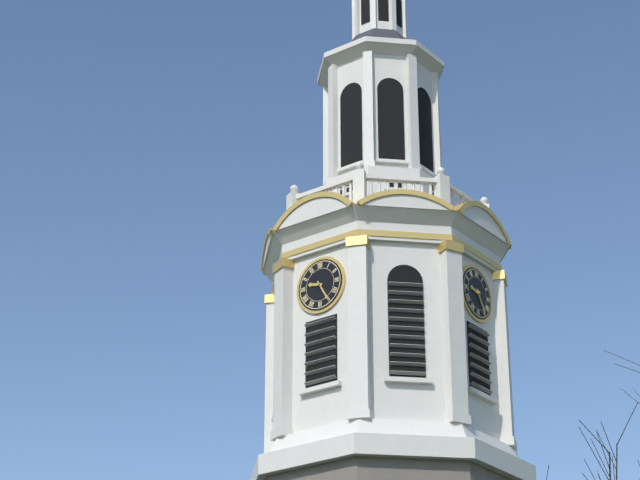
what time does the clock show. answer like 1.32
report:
9.25
